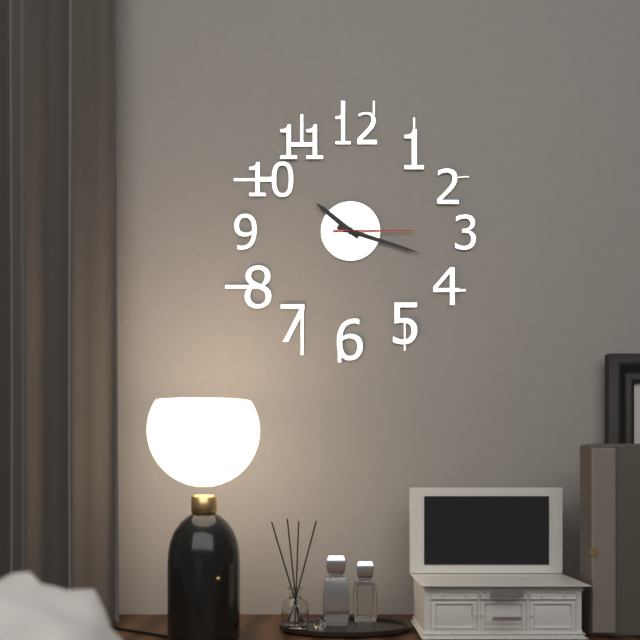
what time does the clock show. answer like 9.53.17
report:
10.18.15
